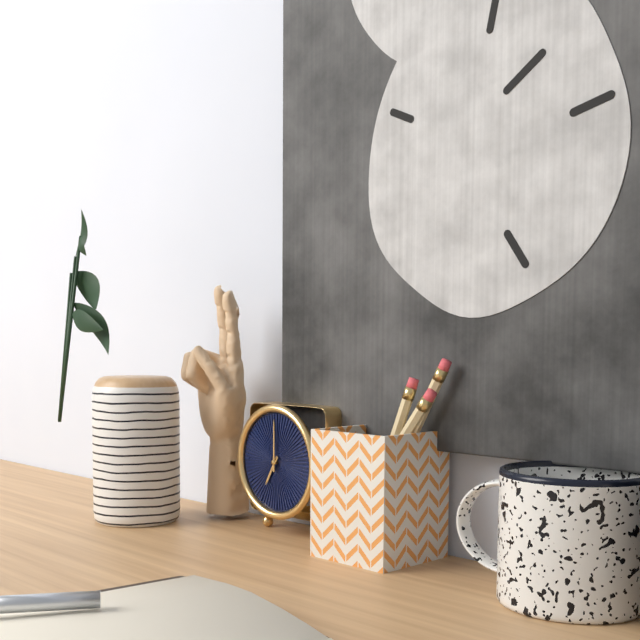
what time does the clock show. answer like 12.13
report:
7.00
